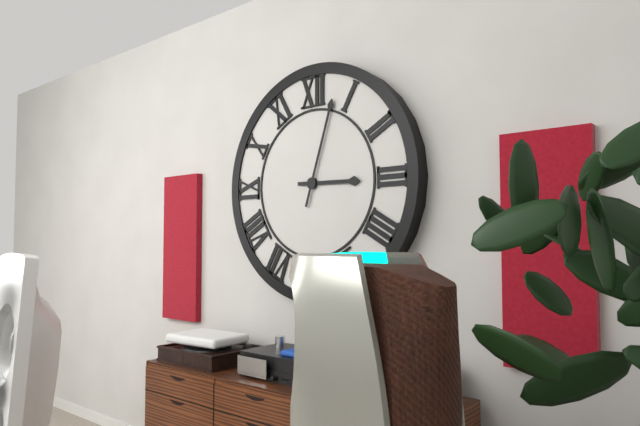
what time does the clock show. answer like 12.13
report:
3.03
